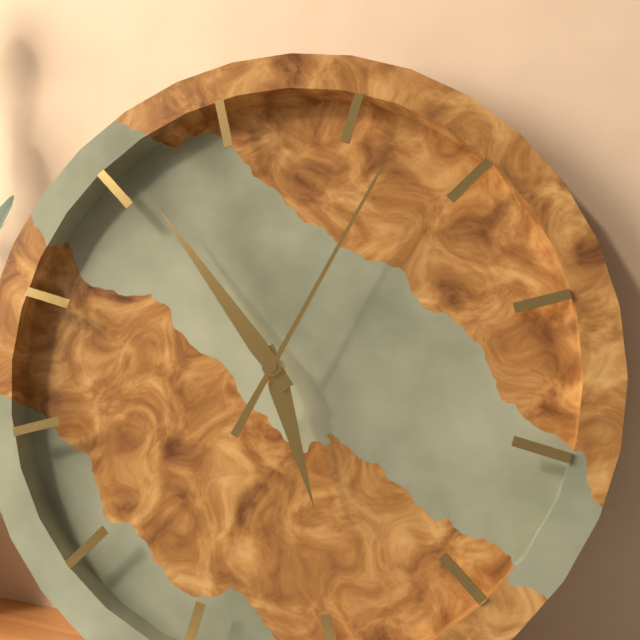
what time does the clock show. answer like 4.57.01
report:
4.51.02
